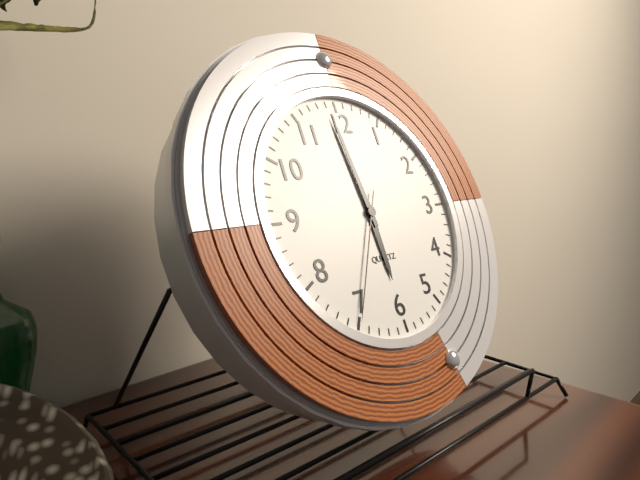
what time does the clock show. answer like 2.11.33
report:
5.59.35
